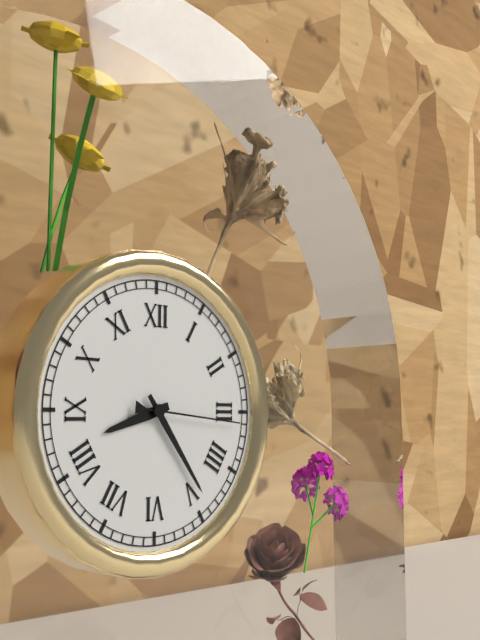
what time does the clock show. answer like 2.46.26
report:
8.24.16
